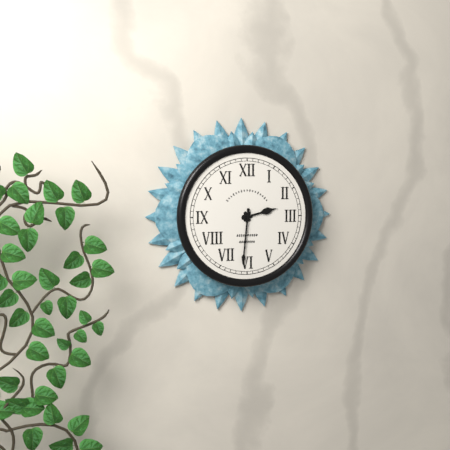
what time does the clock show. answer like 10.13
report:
2.31
